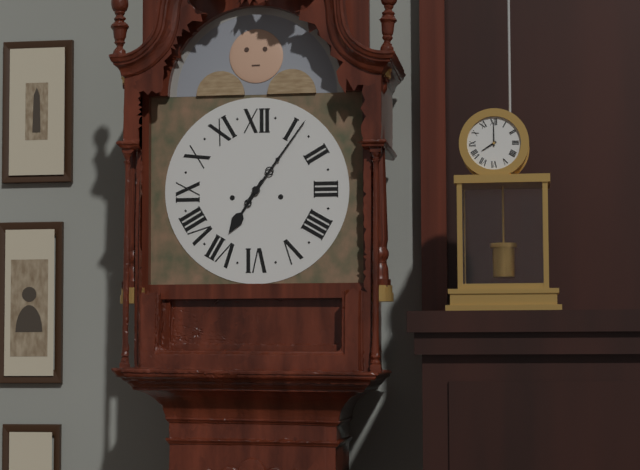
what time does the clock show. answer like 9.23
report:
7.06
